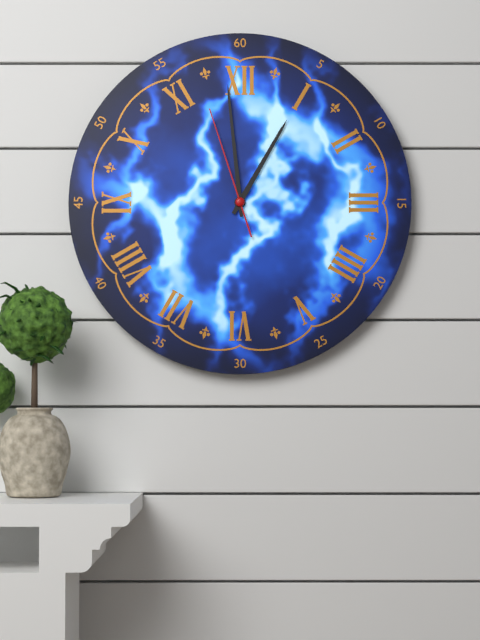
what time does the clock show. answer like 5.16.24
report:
12.59.57
